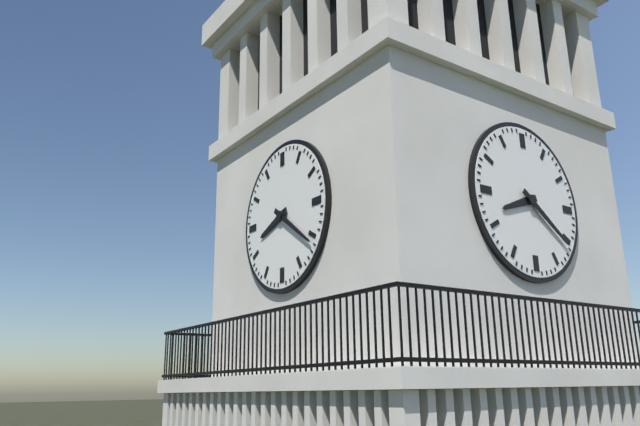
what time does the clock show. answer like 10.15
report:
8.21
